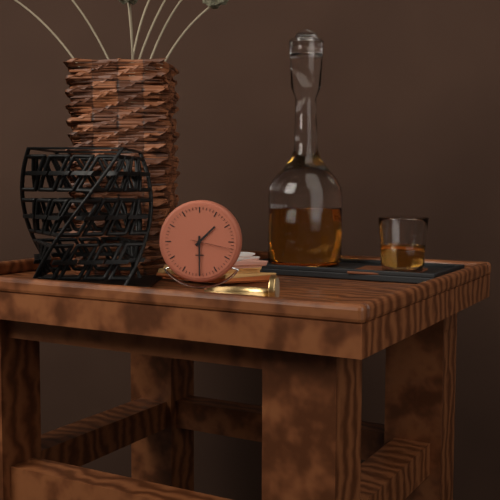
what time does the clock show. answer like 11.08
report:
1.30
